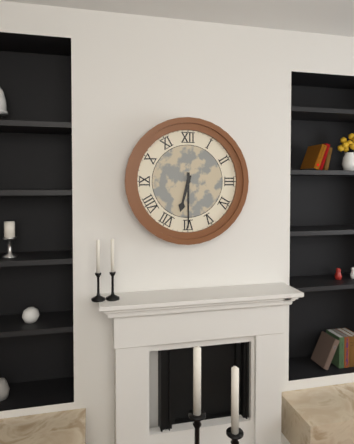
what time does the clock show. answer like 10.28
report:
6.30
